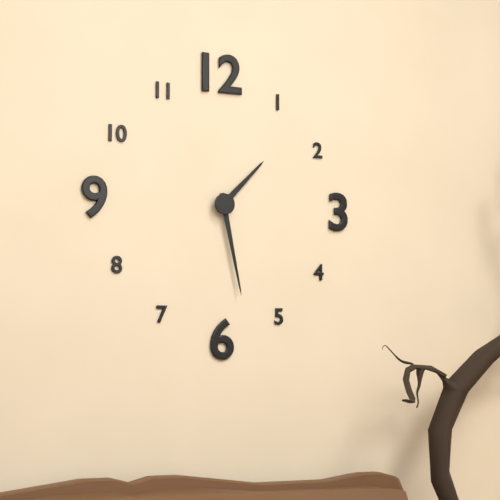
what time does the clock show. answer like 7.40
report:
1.28
